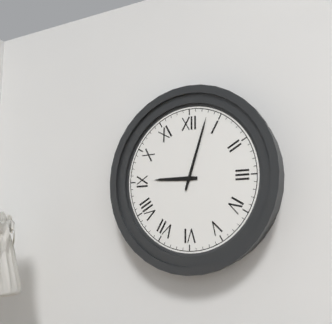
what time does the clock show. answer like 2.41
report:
9.03
